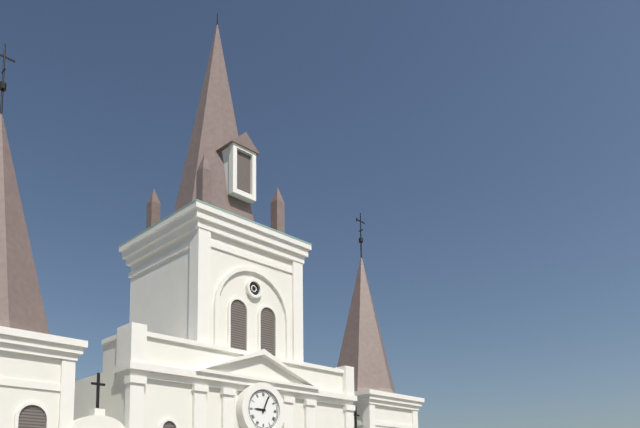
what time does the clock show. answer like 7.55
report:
9.04
